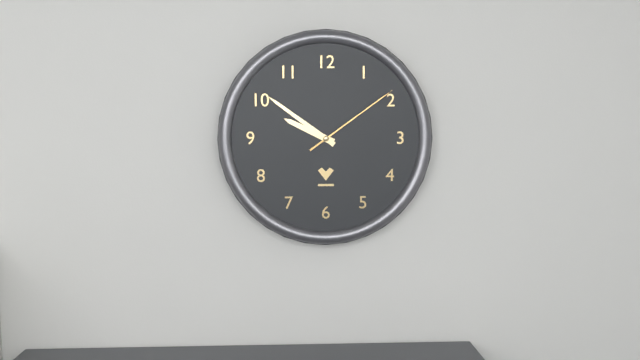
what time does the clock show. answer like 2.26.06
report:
9.51.09
